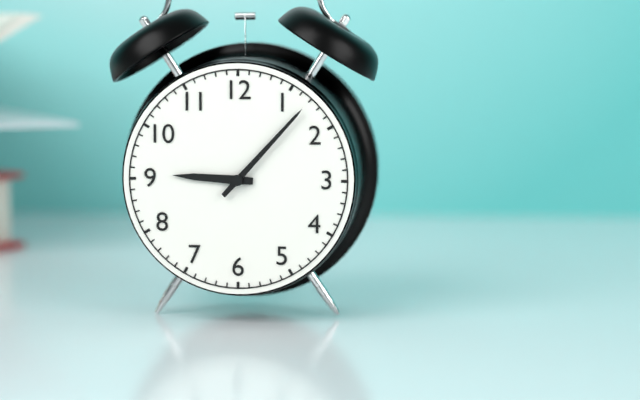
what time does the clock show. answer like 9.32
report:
9.07
